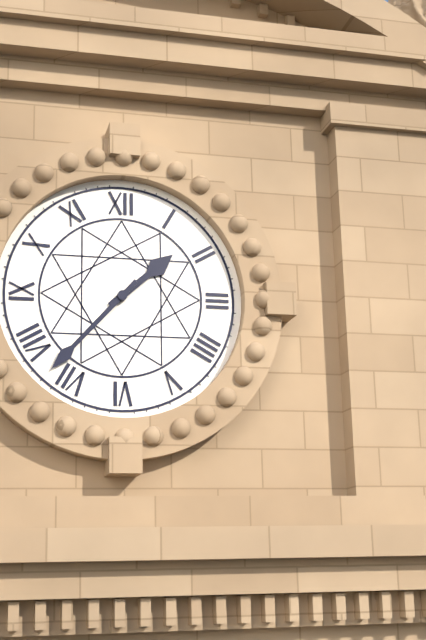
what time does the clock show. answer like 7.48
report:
1.37
